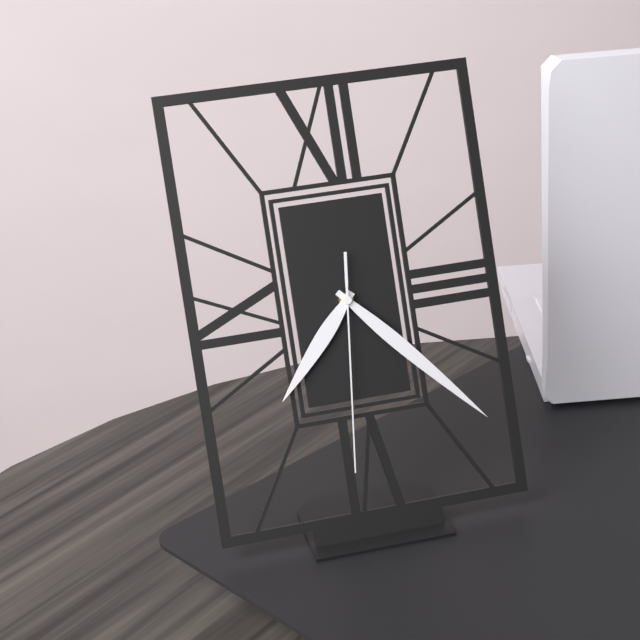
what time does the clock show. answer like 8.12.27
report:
7.23.31
